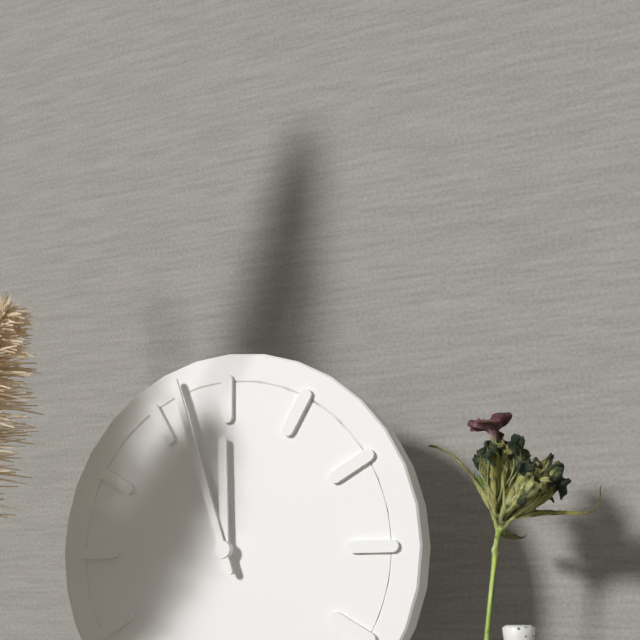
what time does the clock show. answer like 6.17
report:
11.57
